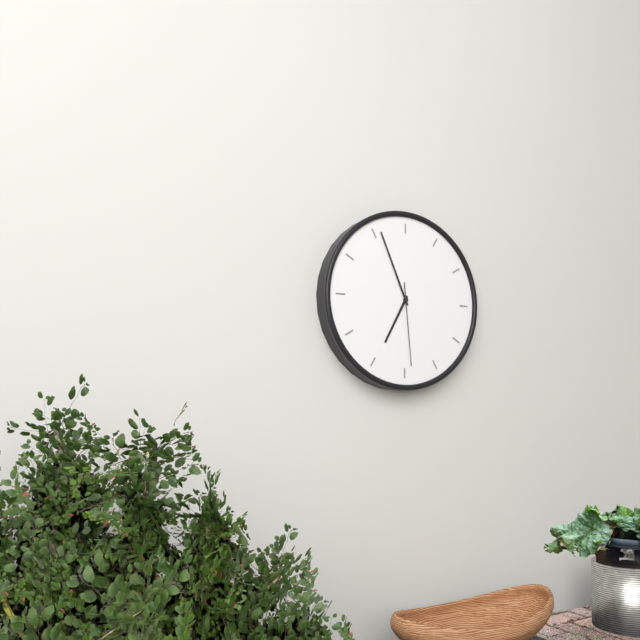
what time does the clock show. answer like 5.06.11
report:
6.56.29
